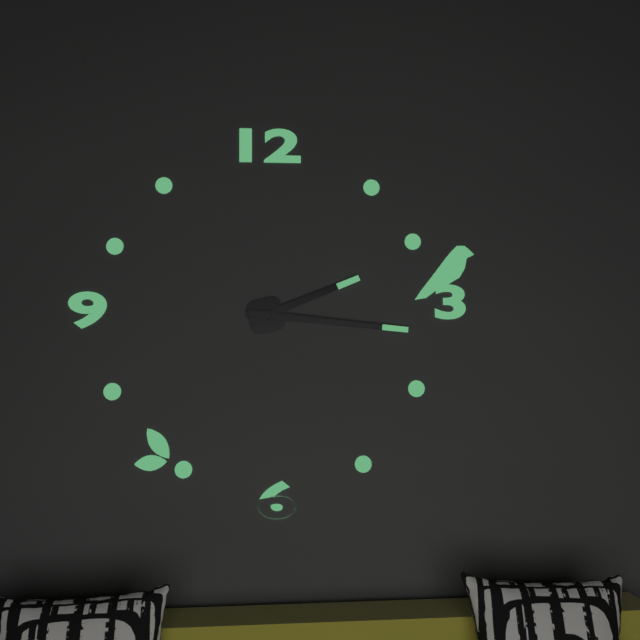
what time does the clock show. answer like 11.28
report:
2.16
